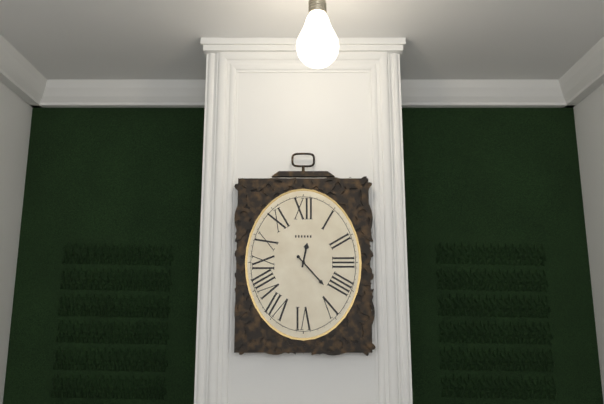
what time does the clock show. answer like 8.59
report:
12.23
